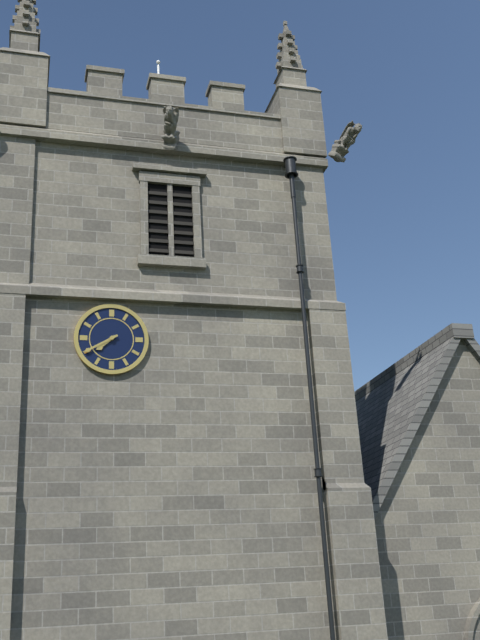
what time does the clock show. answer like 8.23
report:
7.40
